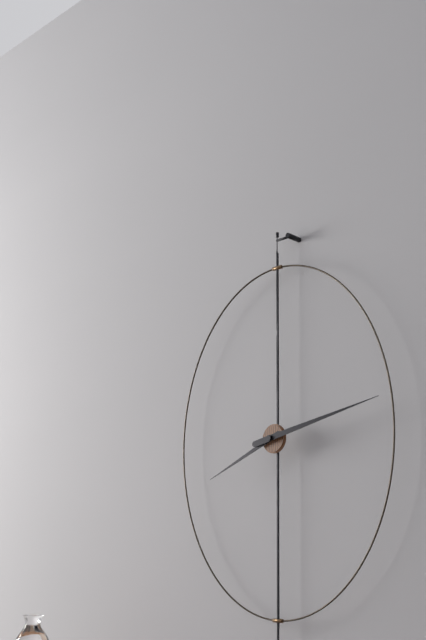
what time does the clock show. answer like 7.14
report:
8.13
